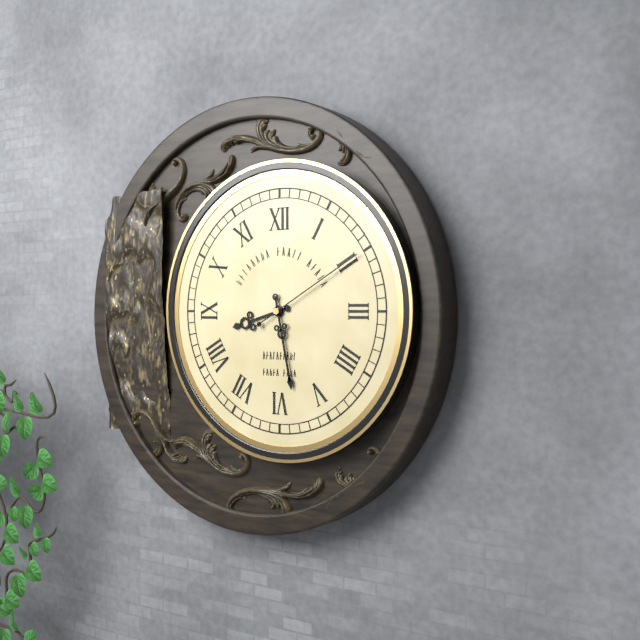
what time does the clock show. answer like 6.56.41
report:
8.28.10
